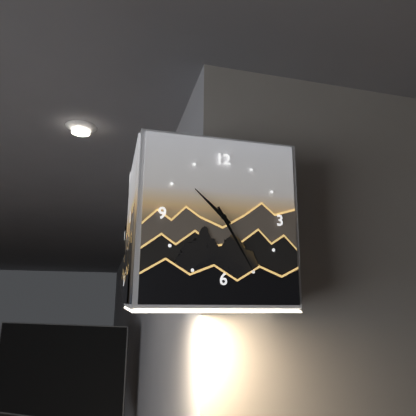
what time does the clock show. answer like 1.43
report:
10.25
